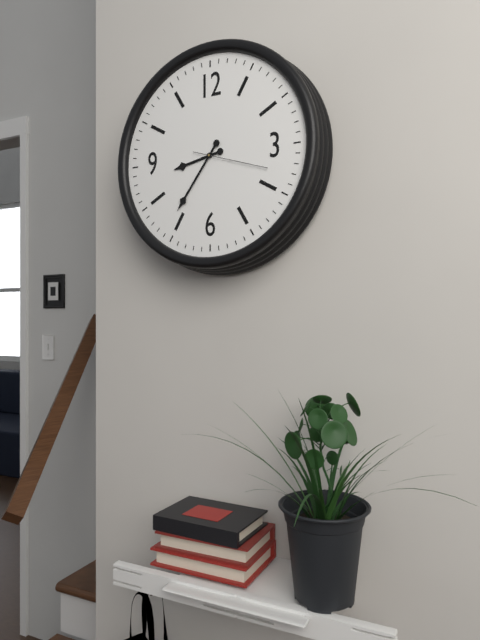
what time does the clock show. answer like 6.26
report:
8.36
